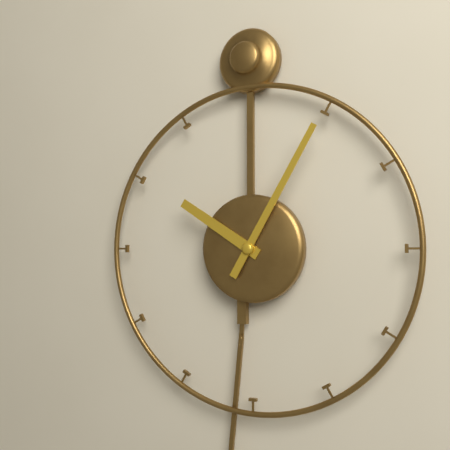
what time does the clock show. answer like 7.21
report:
10.05
